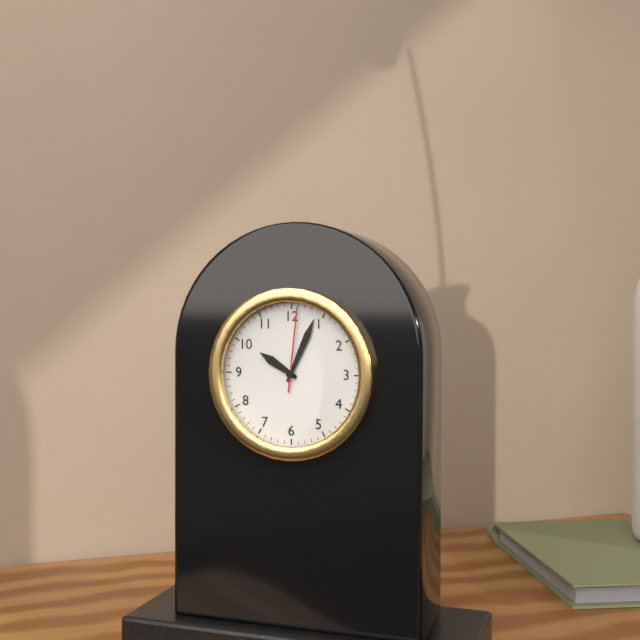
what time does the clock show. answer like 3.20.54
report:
10.04.01
